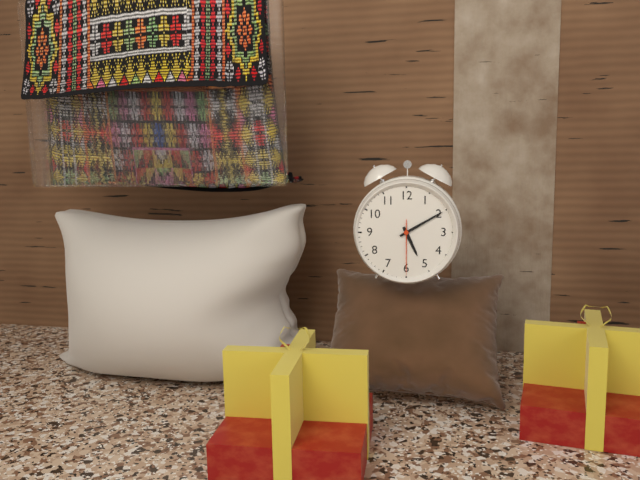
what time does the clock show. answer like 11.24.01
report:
5.10.30
